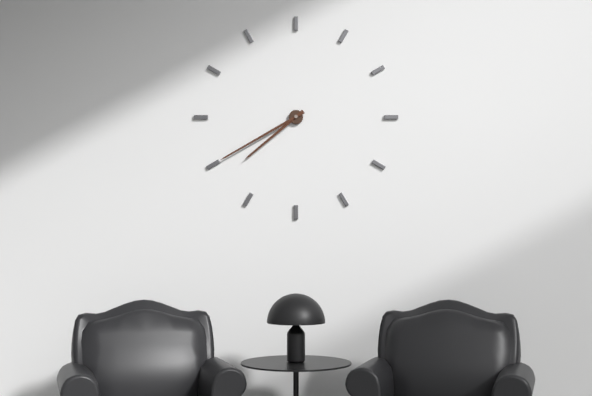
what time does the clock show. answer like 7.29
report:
7.40
